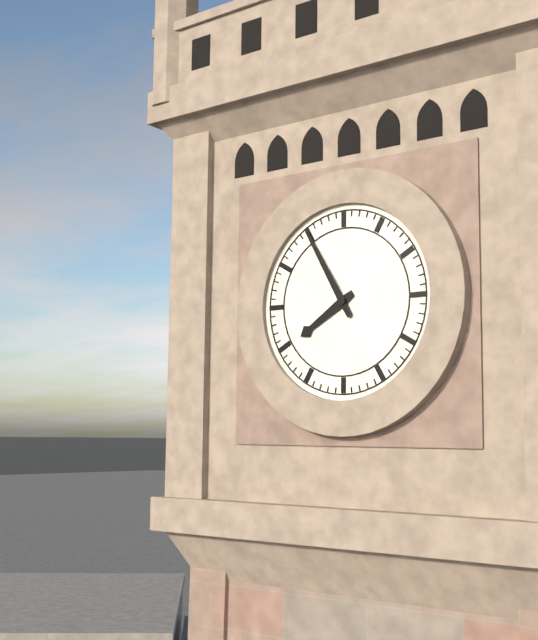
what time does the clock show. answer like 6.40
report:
7.55
